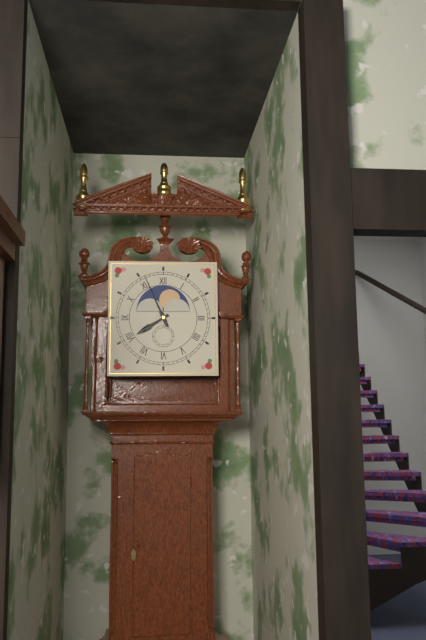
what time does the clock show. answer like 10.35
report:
7.56
